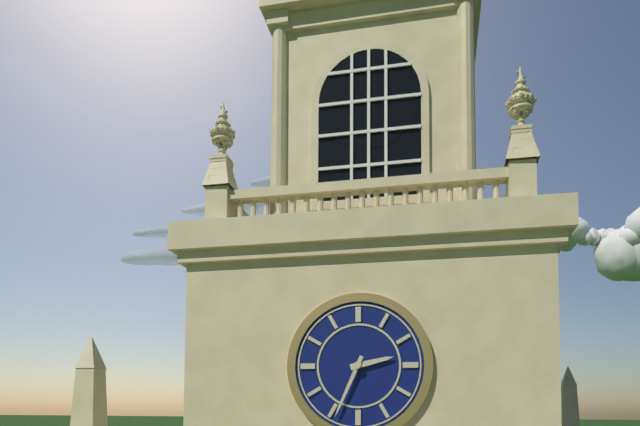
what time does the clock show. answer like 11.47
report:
2.34
